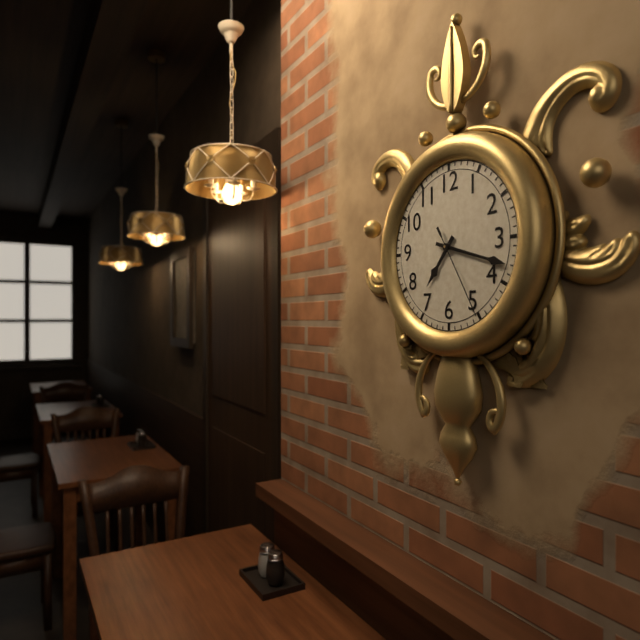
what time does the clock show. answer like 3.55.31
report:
7.18.25
